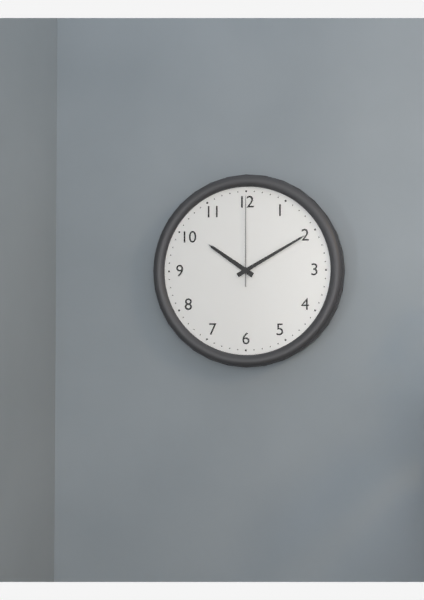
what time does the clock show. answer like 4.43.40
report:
10.10.00
